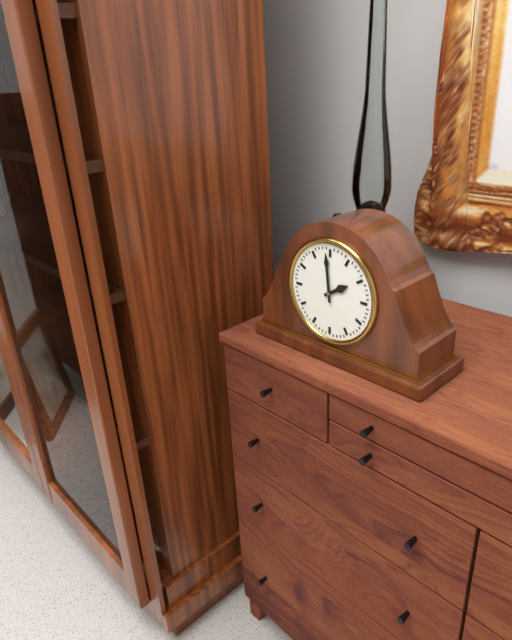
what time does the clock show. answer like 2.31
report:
1.59
